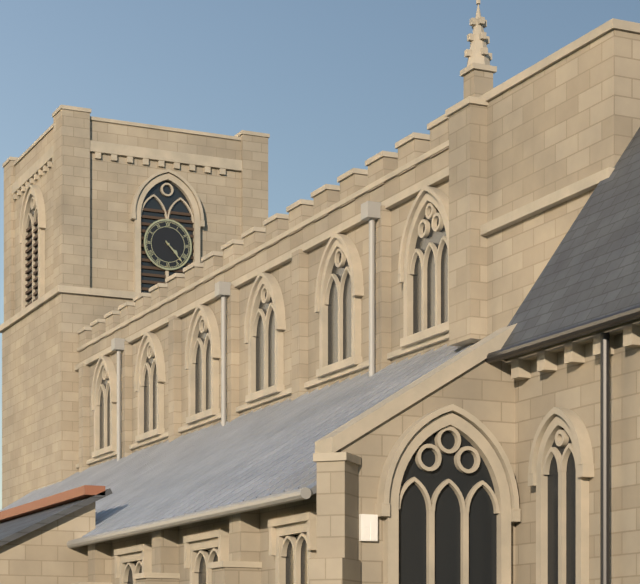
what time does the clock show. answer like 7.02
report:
4.23
